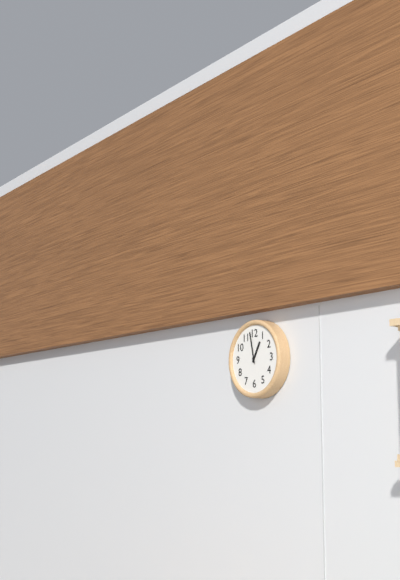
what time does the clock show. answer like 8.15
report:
12.58
